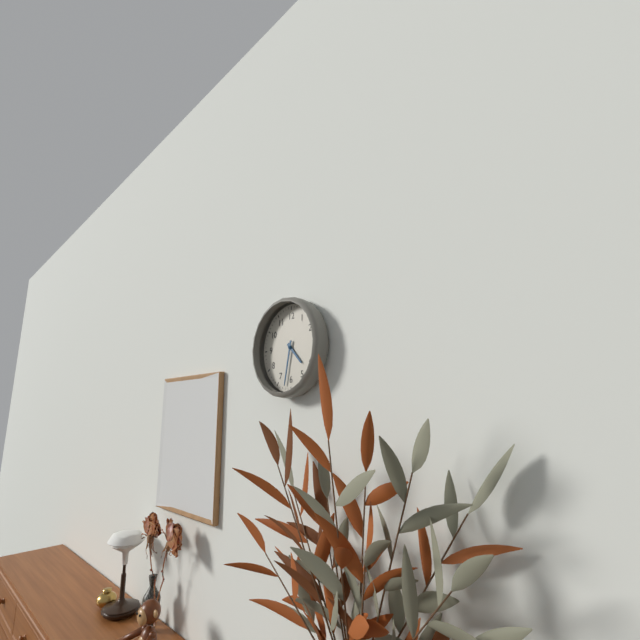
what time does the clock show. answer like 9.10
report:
4.32
